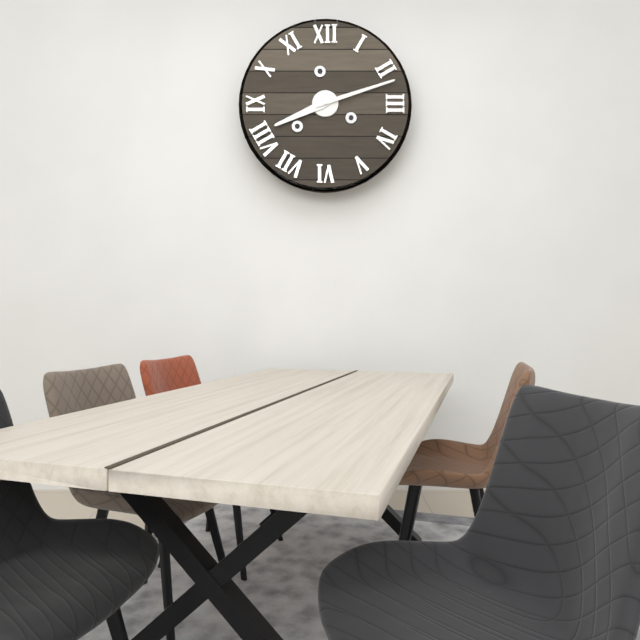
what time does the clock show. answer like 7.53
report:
8.12
